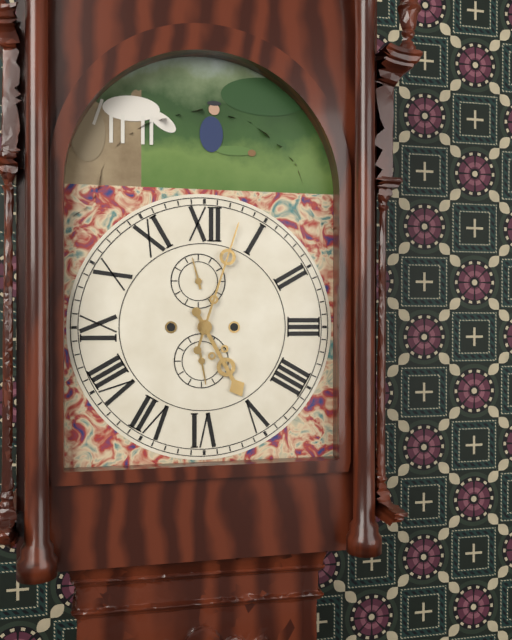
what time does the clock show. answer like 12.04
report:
5.03
